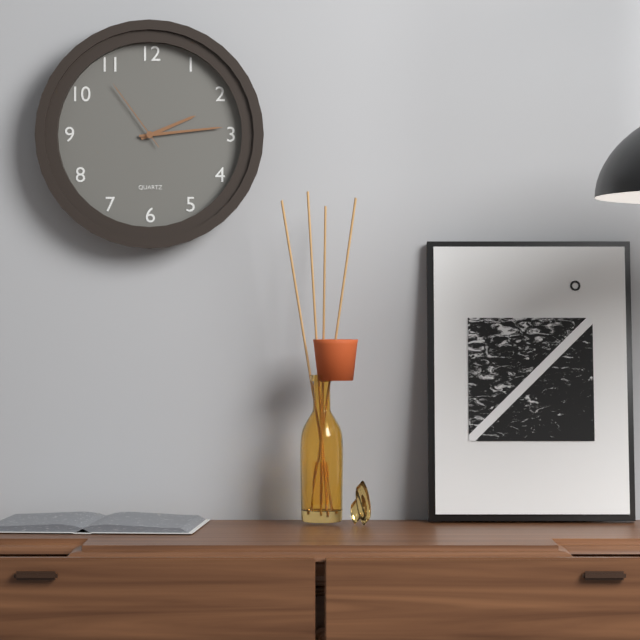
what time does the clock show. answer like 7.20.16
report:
2.14.54
